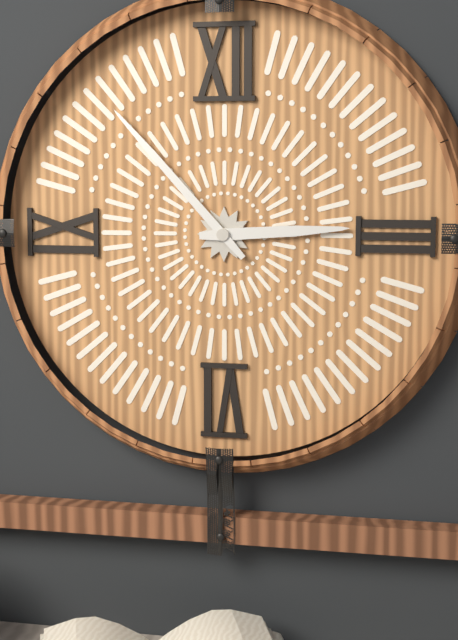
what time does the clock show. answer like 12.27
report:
2.53
